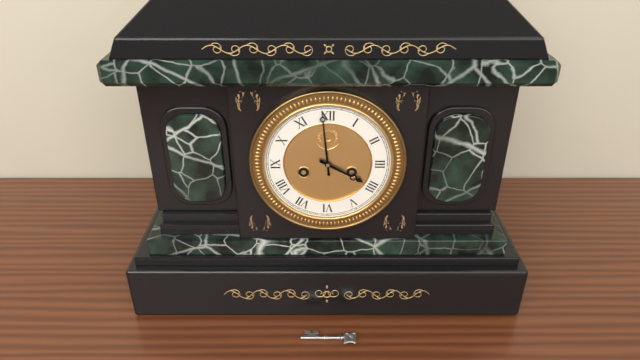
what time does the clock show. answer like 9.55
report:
3.59
